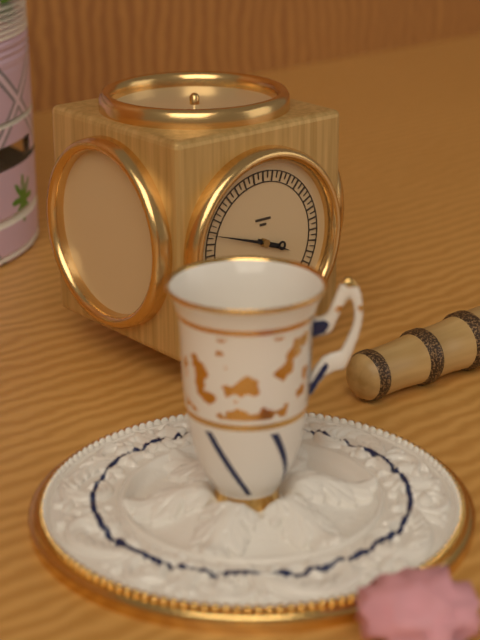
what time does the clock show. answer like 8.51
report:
3.48
